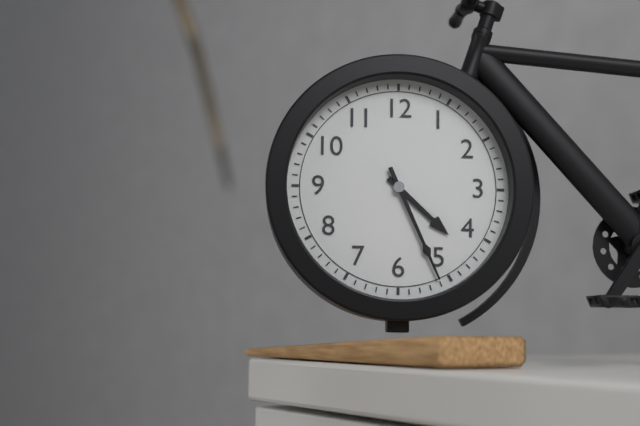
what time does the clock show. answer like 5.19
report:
4.26
